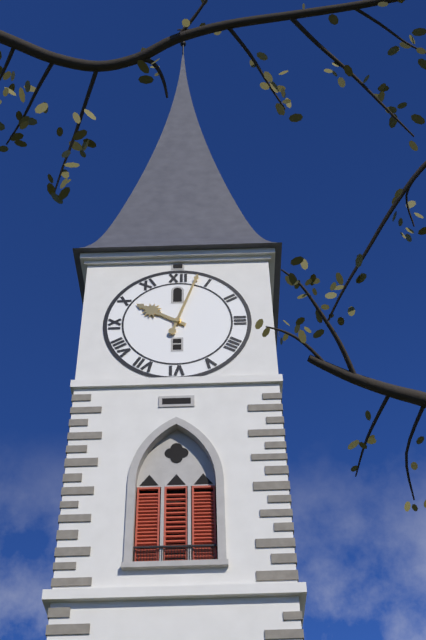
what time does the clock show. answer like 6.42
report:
10.03
